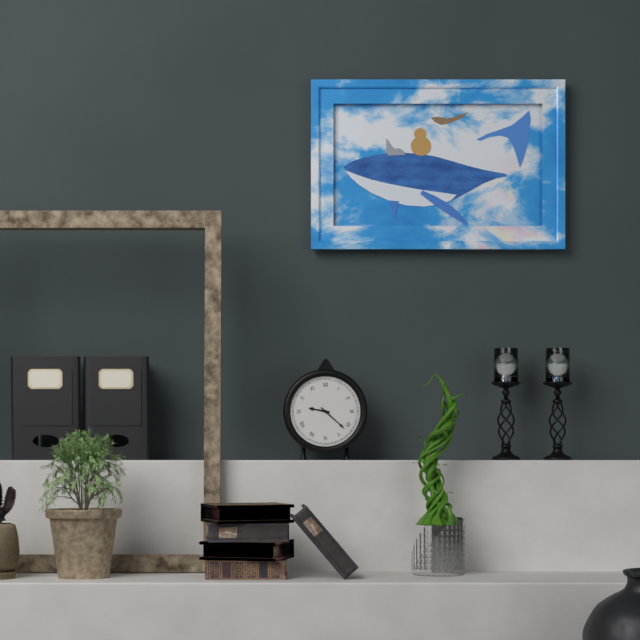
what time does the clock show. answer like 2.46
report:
9.22
